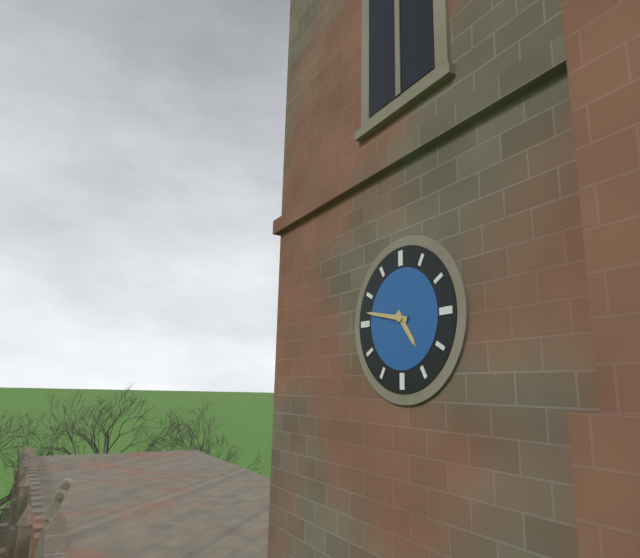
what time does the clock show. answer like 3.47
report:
4.47
